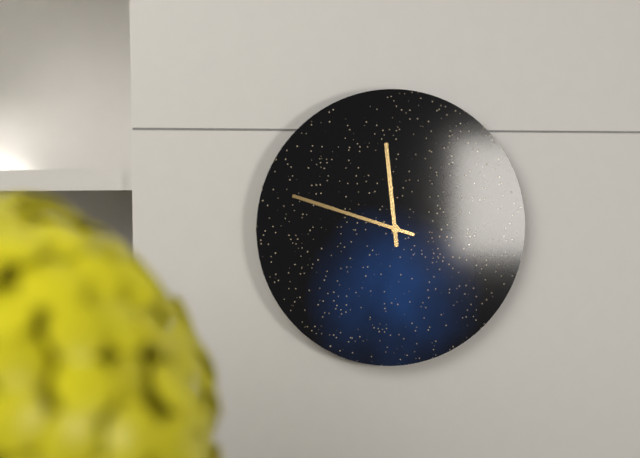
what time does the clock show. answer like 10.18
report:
11.48
